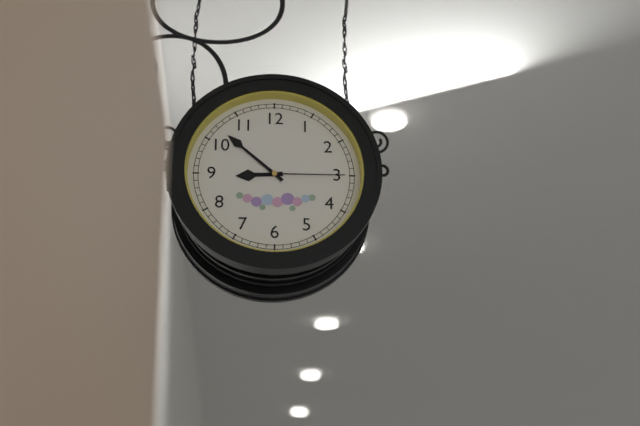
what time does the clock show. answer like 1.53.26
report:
8.52.15
